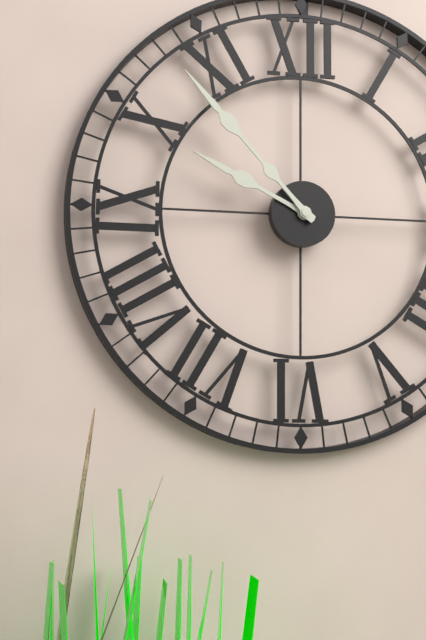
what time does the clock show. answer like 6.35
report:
9.53
